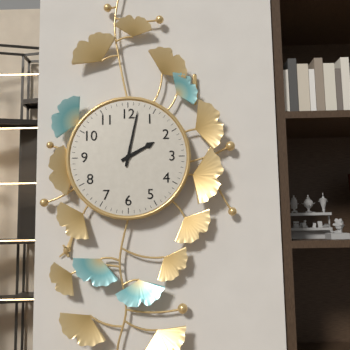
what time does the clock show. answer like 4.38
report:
2.02
